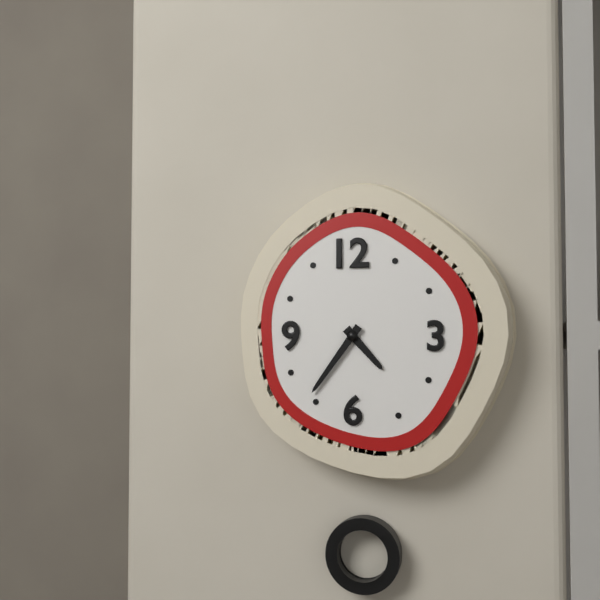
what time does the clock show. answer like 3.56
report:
4.36
